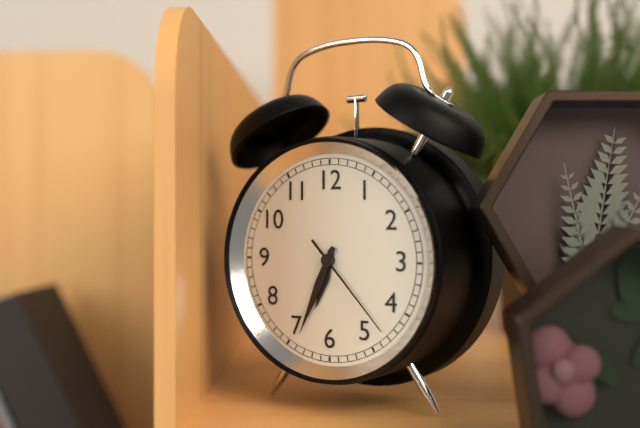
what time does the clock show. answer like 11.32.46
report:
6.34.23
